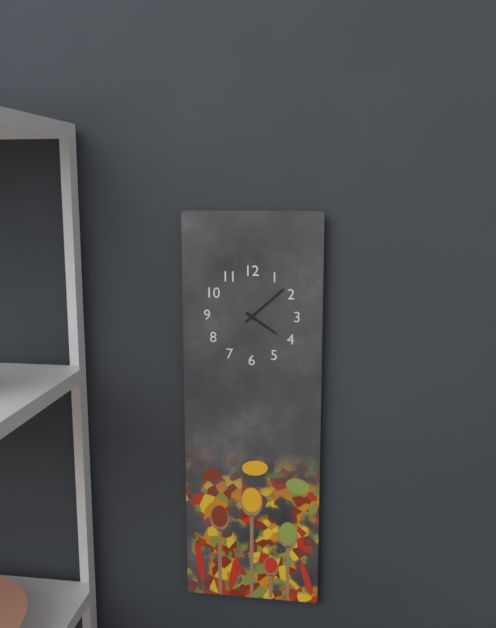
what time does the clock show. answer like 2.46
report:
4.08
